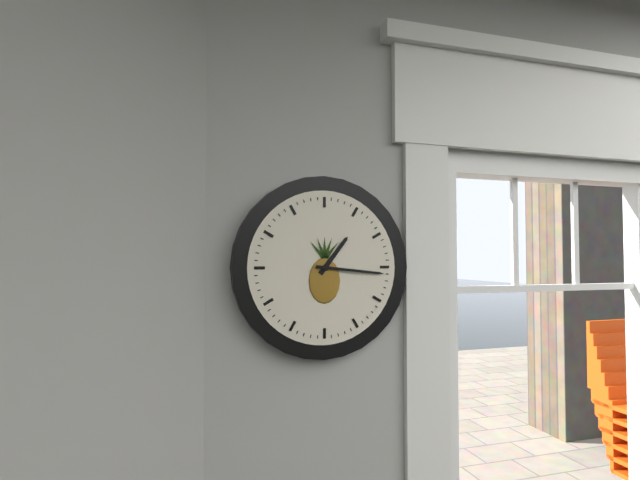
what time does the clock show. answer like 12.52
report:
1.16
